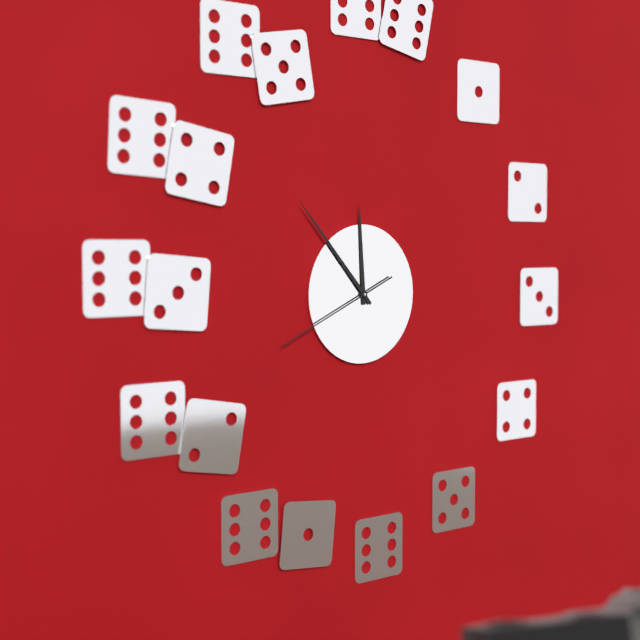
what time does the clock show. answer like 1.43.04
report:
11.53.41
